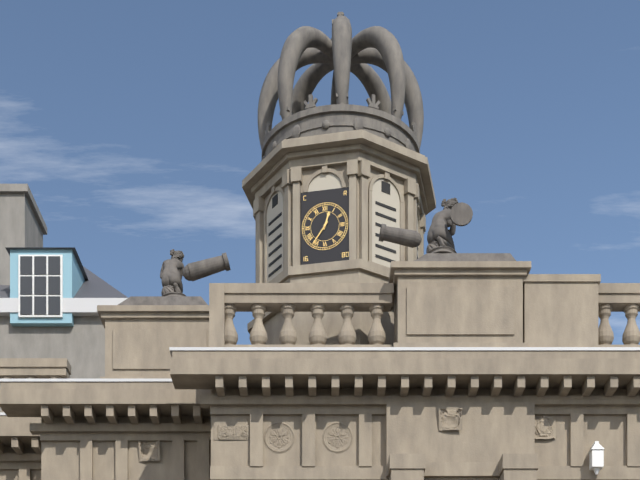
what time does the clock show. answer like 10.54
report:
12.36
